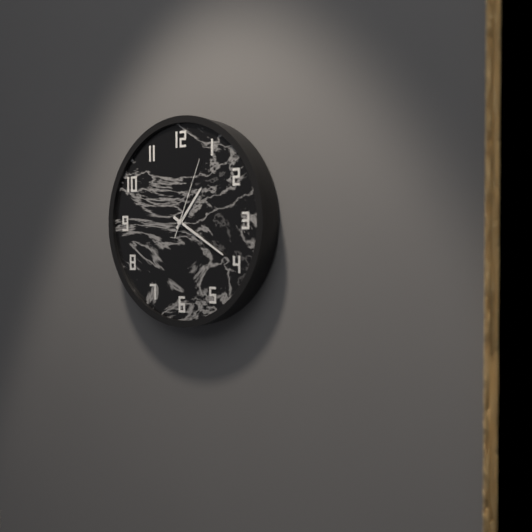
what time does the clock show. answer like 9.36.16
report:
1.20.04
